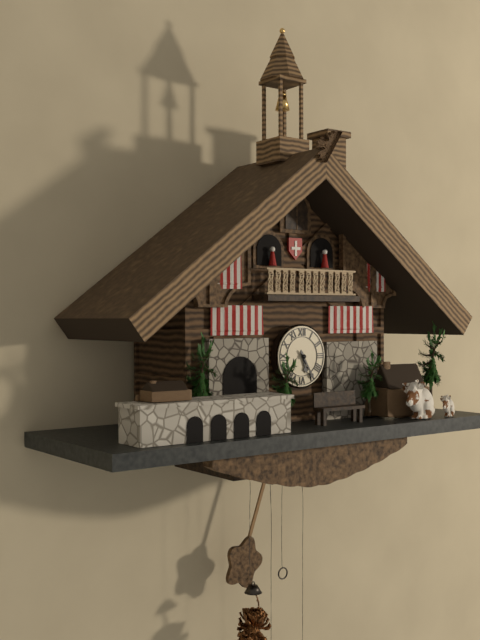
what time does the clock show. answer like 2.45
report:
5.25
